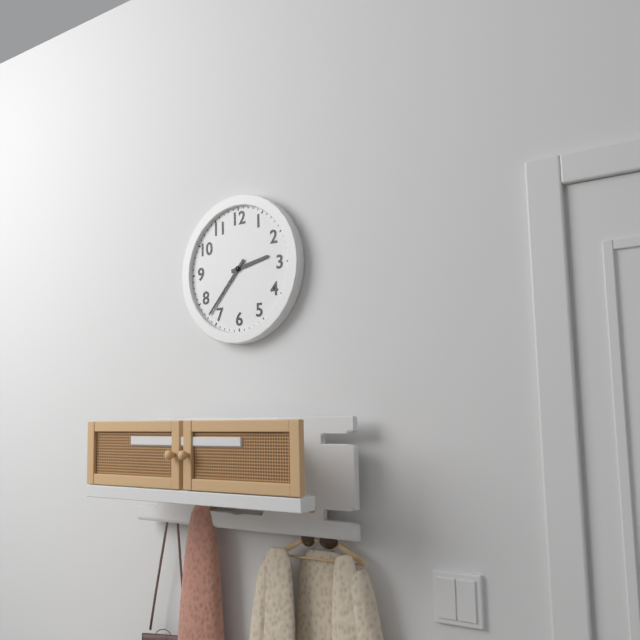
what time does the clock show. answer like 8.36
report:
2.37
